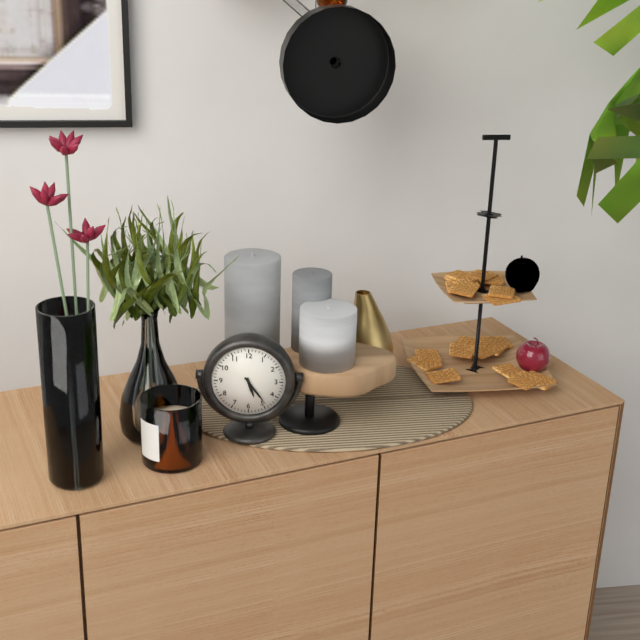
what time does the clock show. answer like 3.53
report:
5.24
